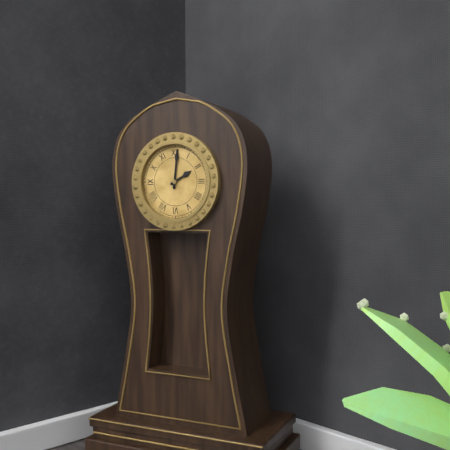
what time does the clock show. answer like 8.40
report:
2.01
